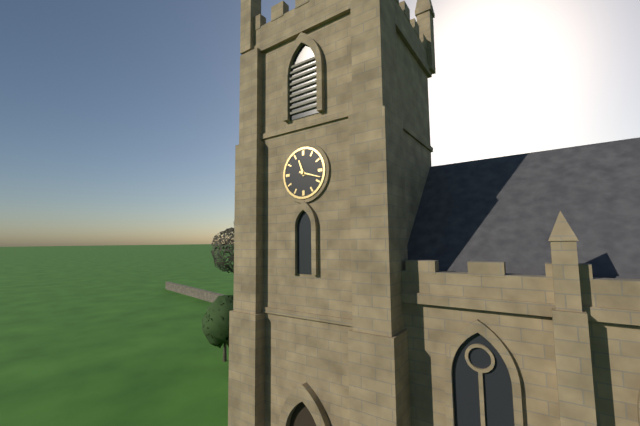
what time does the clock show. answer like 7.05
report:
11.18
